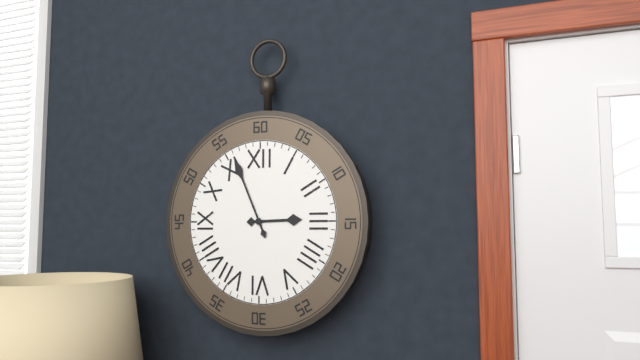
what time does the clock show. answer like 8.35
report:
2.56
